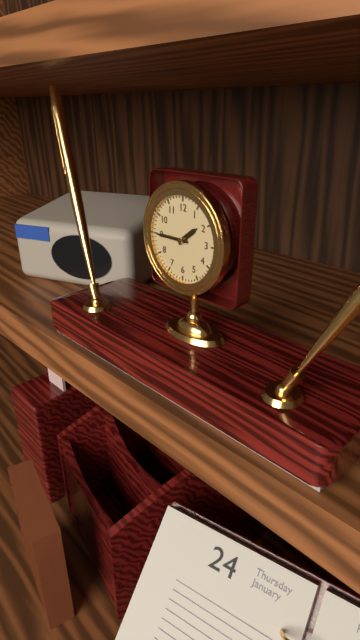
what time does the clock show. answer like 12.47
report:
1.45
